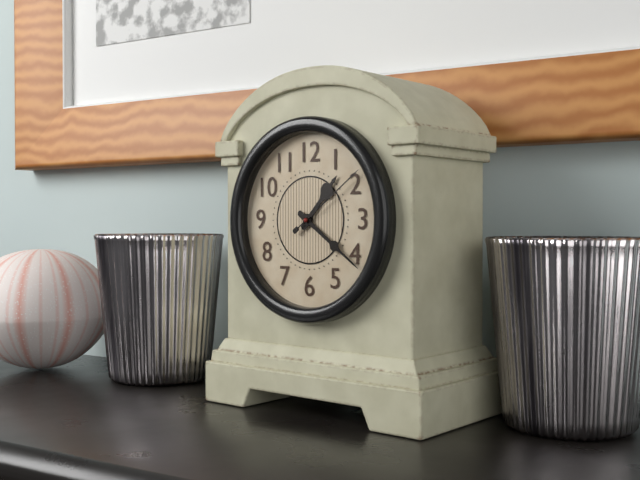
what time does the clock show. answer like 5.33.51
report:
1.21.09
